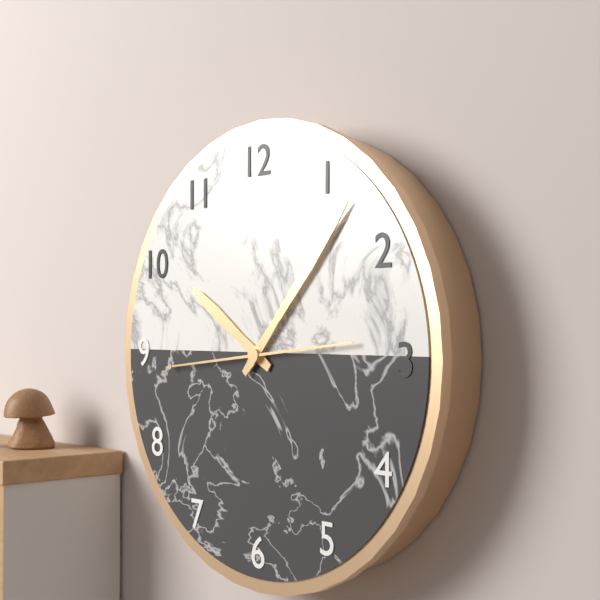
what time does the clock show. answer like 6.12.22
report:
10.07.44
